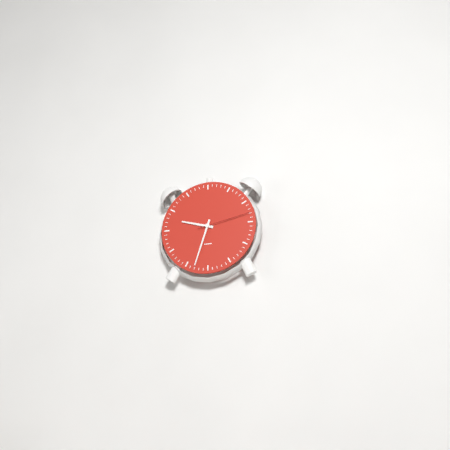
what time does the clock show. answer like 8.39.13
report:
9.33.13
